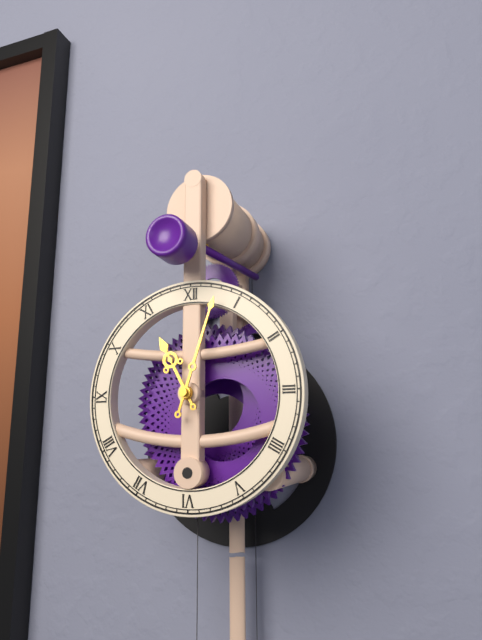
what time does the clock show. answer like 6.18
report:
11.03
